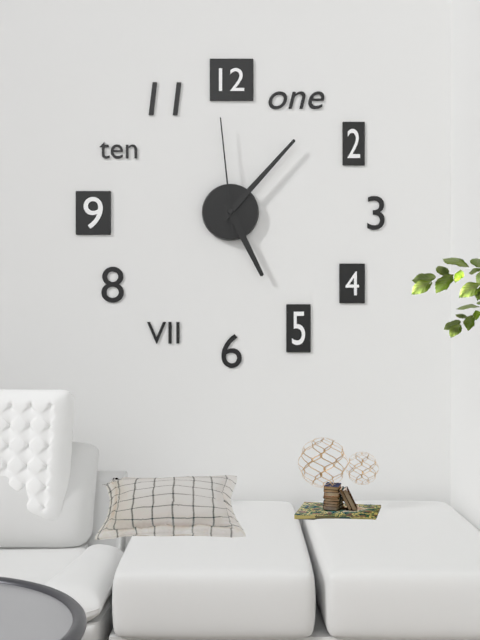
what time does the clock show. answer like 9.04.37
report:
5.07.59
